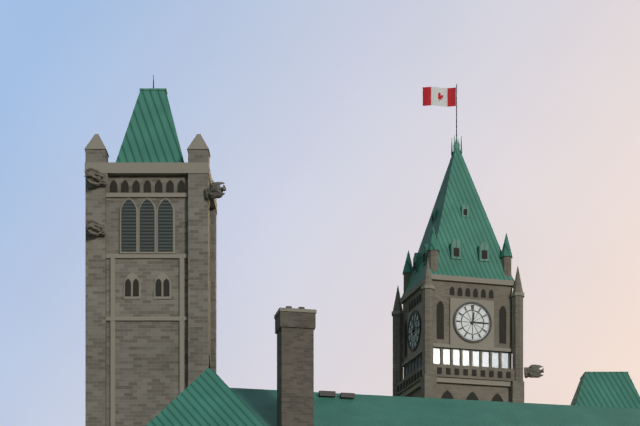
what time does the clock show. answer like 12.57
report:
12.15
